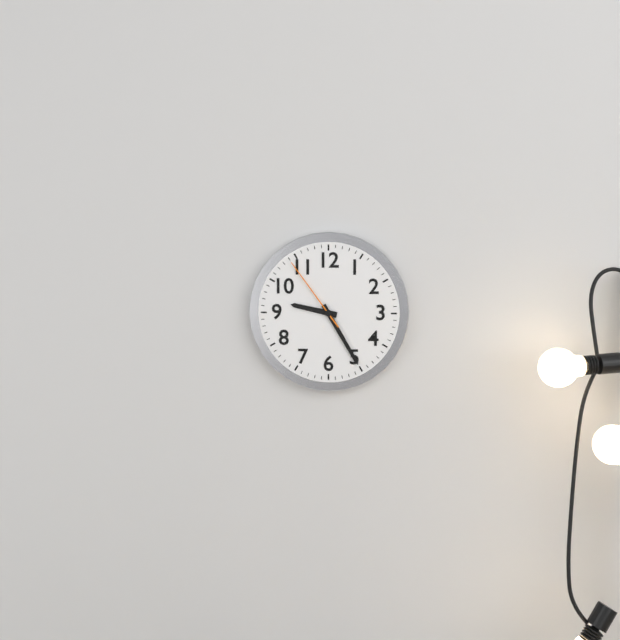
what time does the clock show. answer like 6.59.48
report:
9.25.54
